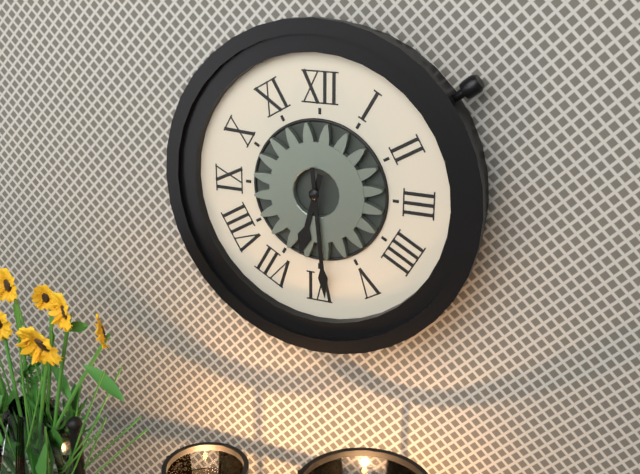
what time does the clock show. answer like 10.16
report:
6.29
